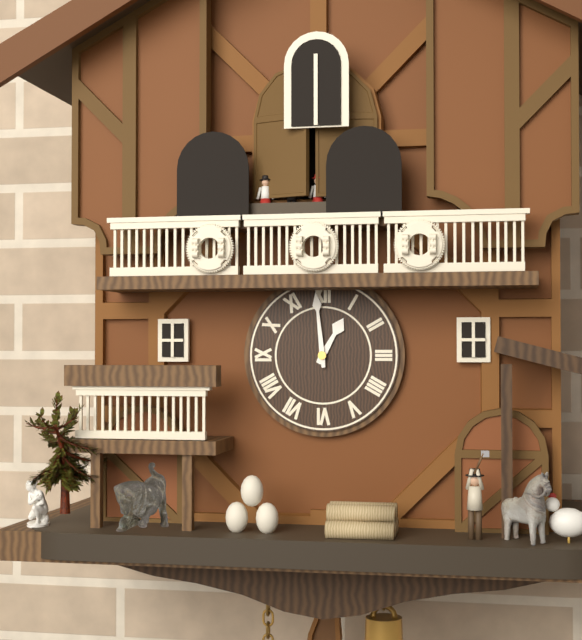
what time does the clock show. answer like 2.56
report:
12.59
